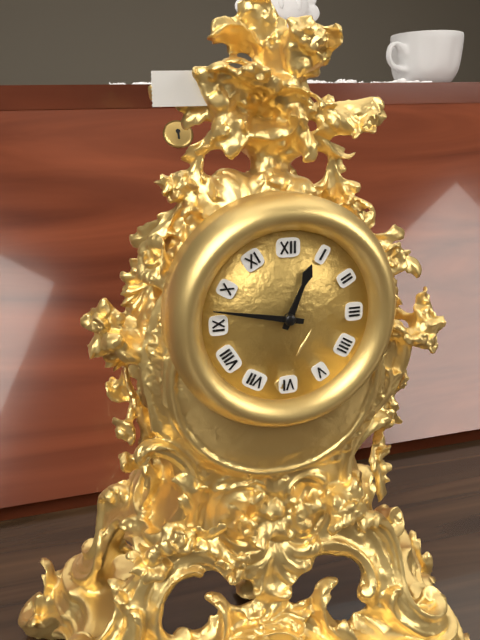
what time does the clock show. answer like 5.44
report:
12.47
